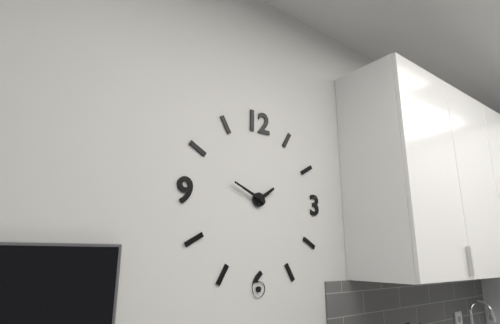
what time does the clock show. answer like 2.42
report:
1.49
